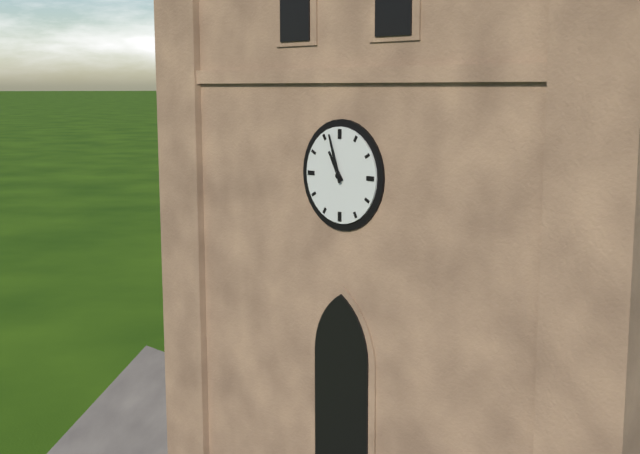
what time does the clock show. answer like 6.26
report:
10.57
